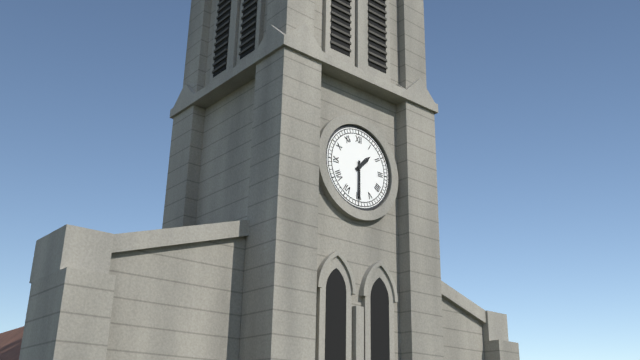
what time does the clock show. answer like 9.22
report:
1.30
